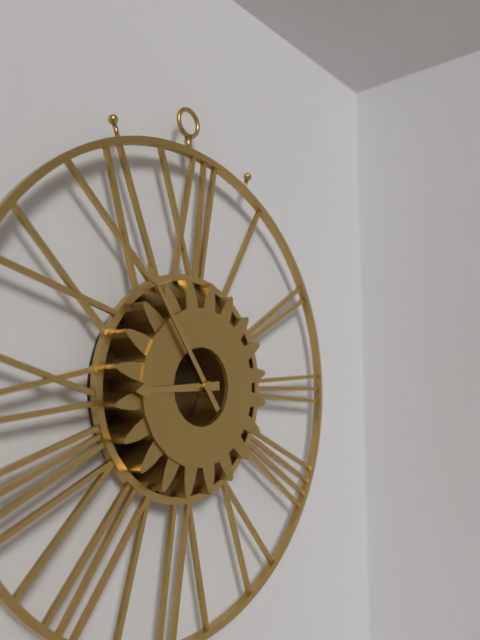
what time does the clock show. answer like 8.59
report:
8.54
